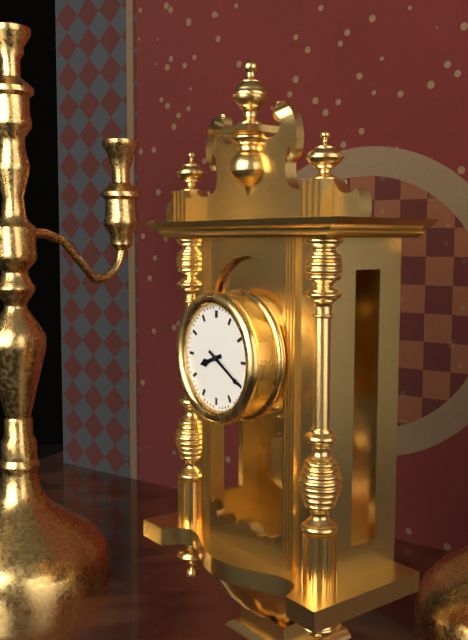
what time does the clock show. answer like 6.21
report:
8.20
